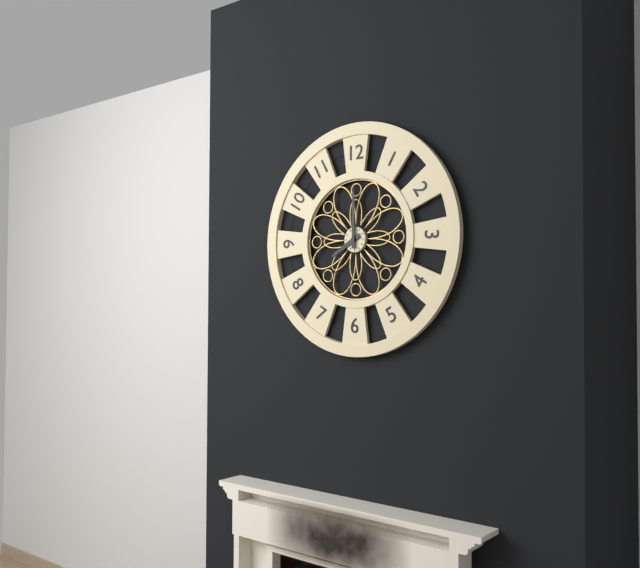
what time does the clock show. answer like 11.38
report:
8.00
